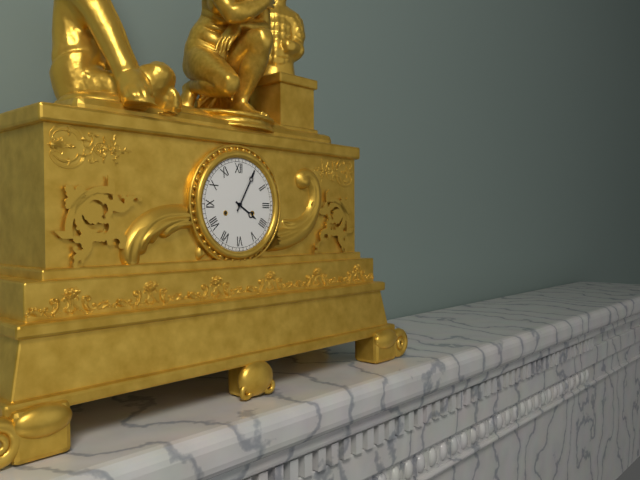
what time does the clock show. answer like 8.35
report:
4.05
